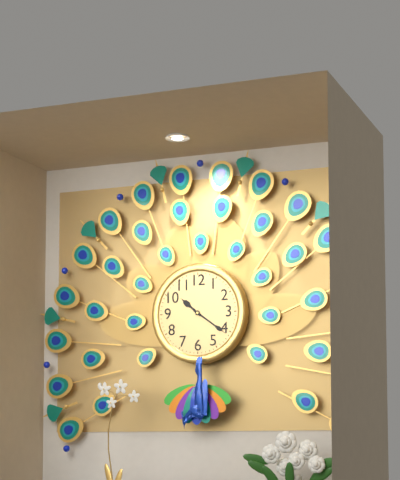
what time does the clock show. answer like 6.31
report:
10.21
